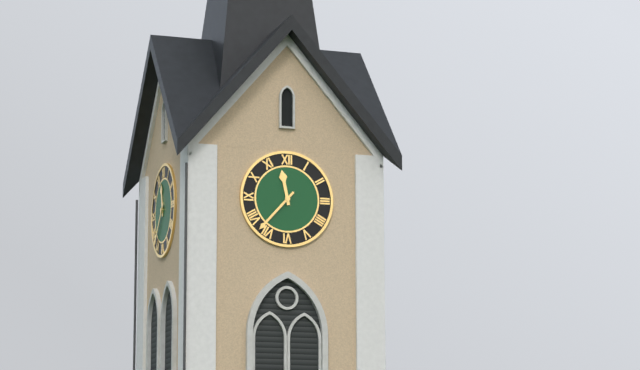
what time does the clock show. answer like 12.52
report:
11.37
